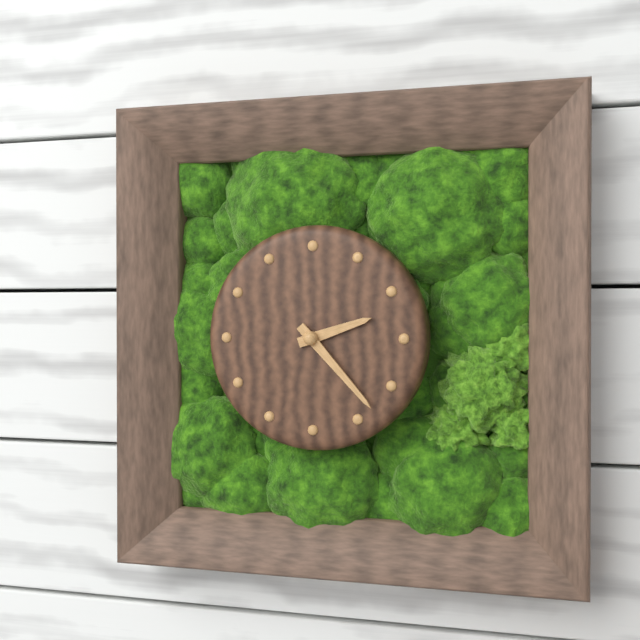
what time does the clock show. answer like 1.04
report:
2.23
